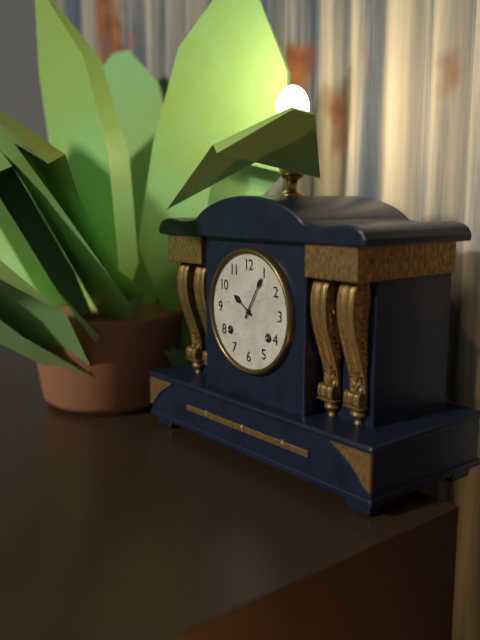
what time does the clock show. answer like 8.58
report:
10.05
